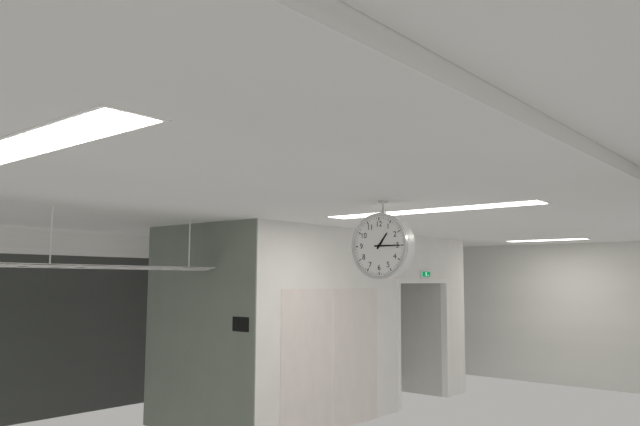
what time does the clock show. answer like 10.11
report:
1.15
